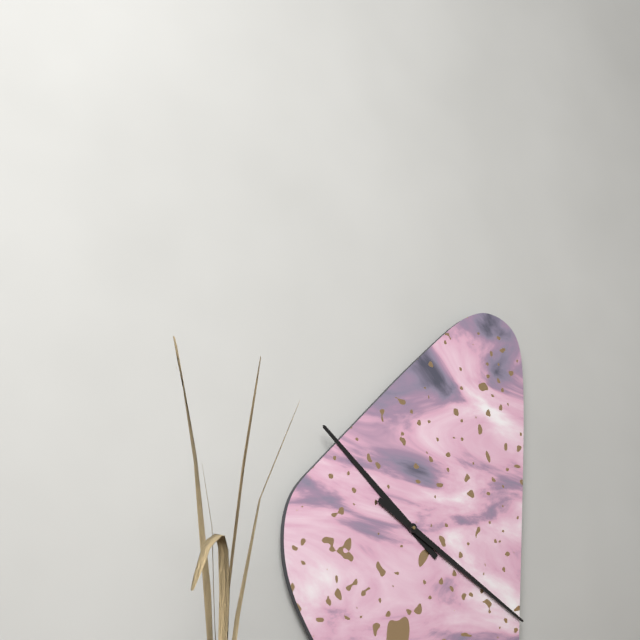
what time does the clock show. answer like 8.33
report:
10.20
